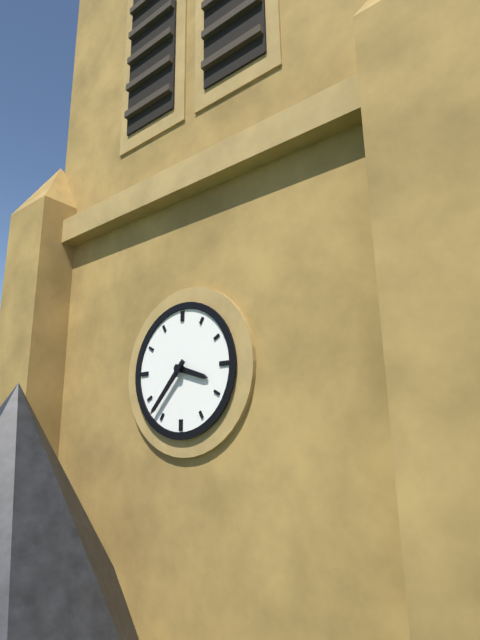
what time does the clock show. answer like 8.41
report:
3.37
